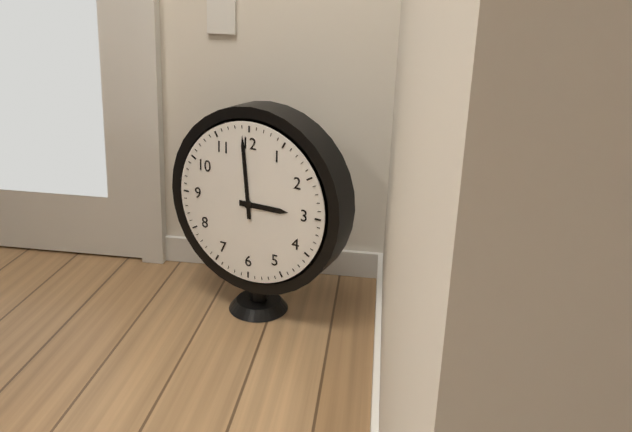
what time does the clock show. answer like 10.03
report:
2.59
